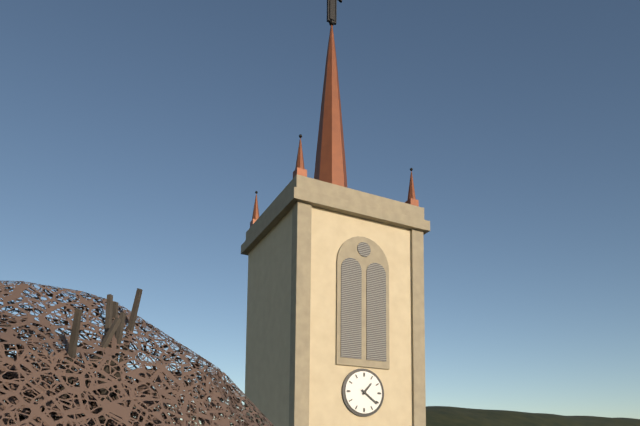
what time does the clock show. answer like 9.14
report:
1.21
